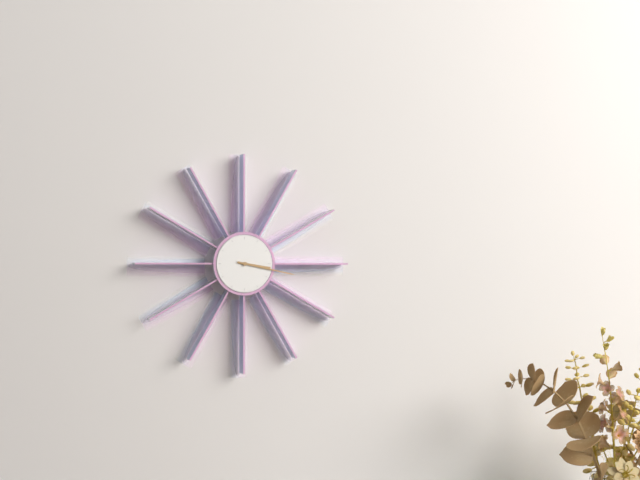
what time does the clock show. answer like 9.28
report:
3.17
